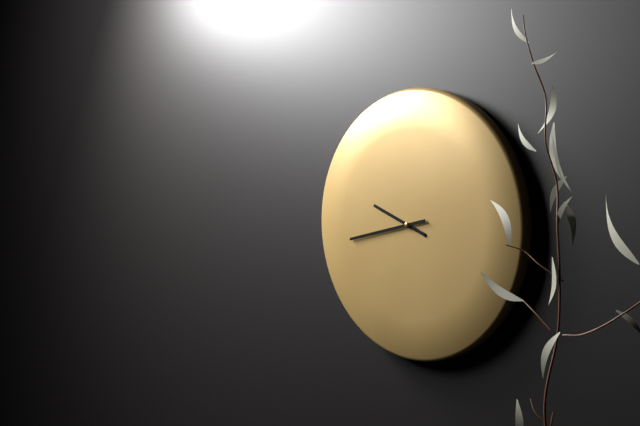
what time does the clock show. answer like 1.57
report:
9.43
